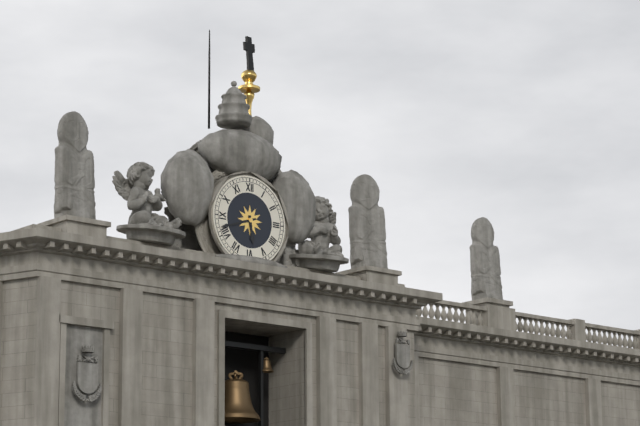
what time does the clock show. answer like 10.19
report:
5.42
